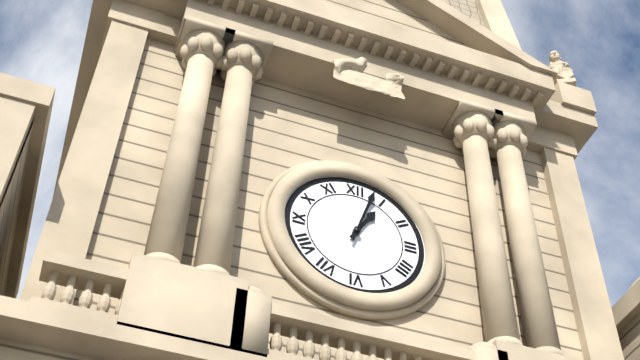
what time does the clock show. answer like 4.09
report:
1.03
